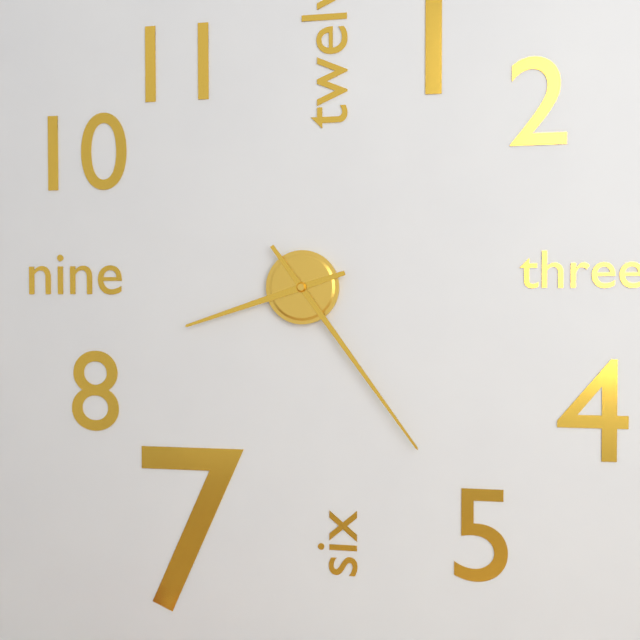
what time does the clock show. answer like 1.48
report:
8.24
